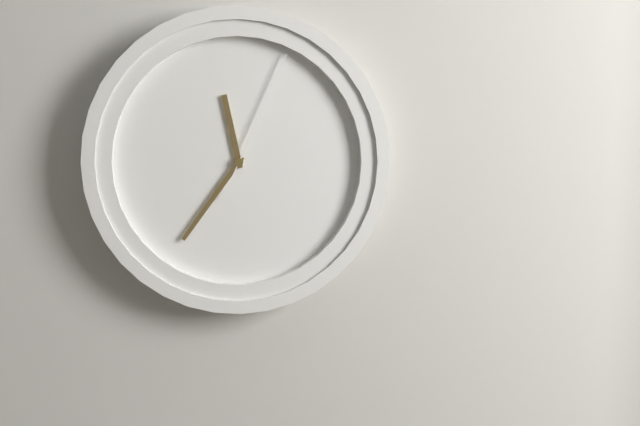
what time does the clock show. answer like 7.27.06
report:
11.36.04
